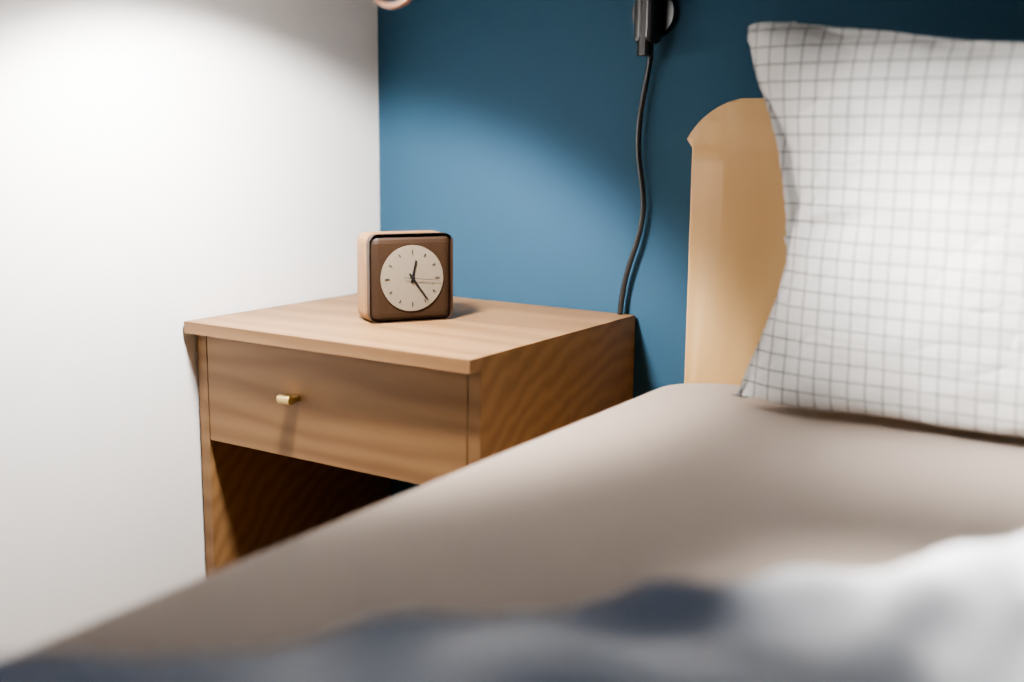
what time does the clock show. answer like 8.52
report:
12.24
